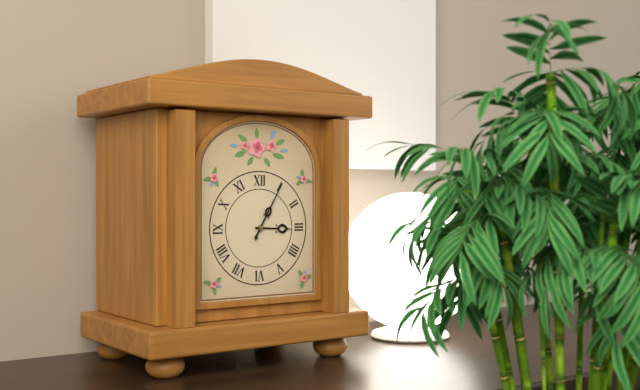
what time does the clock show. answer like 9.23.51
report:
3.05.05
